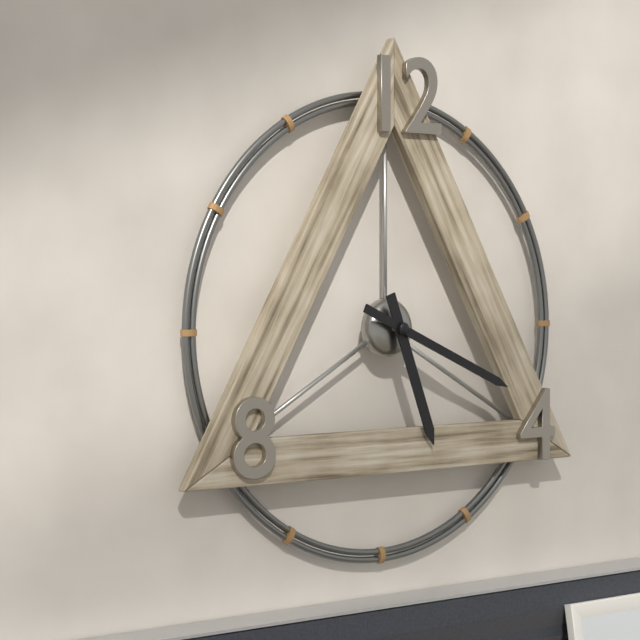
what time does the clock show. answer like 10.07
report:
5.19
